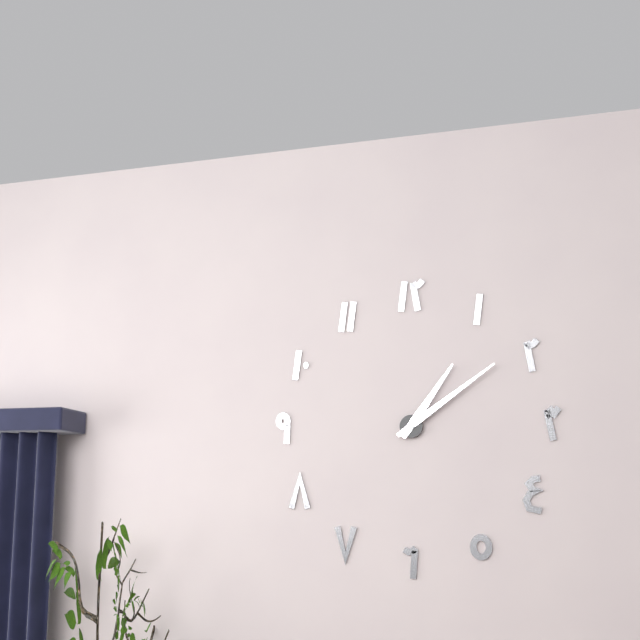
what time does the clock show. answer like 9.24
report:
1.09
